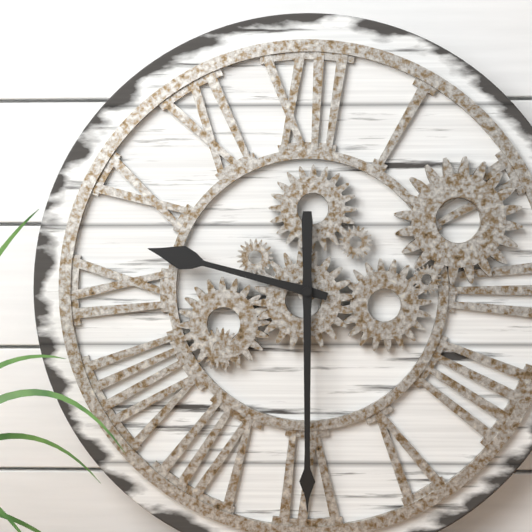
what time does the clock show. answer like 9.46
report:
9.30
